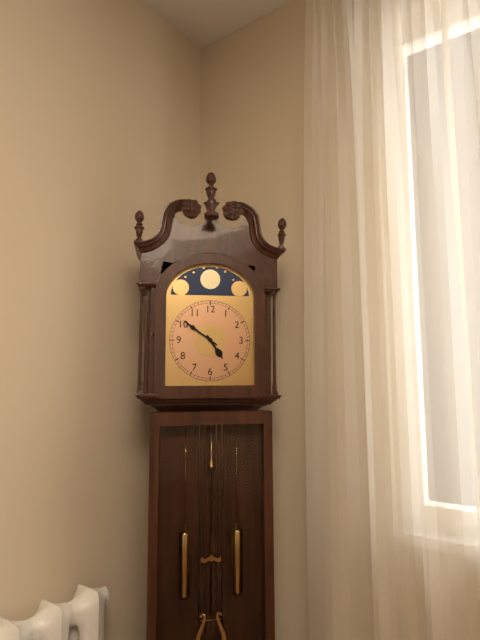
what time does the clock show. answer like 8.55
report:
4.51
